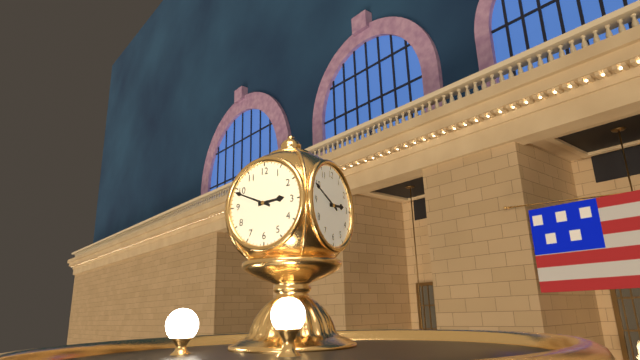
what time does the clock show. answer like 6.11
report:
2.49
